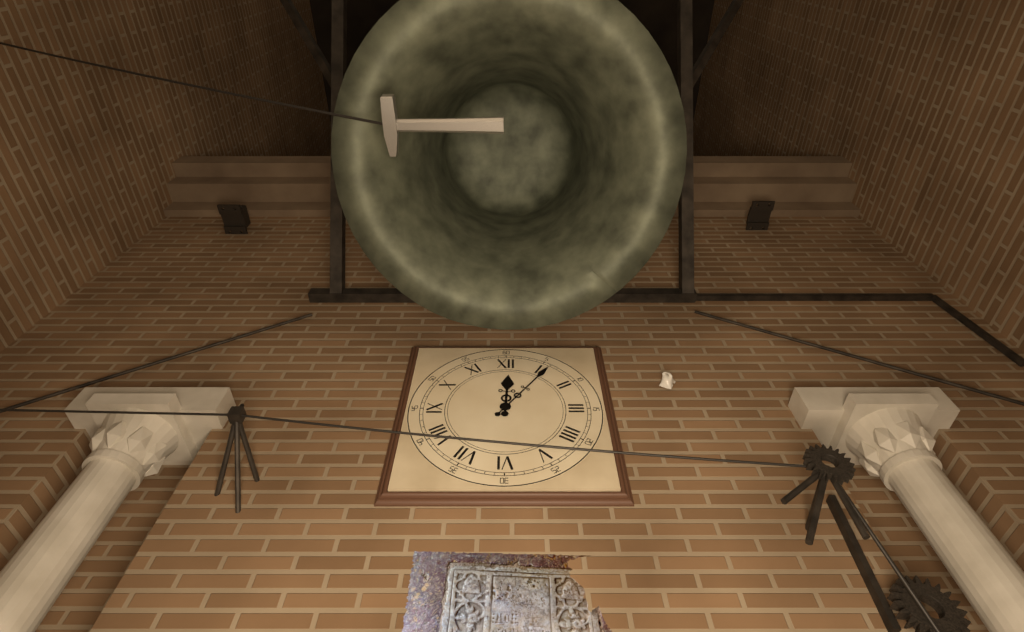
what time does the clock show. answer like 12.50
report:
12.06
